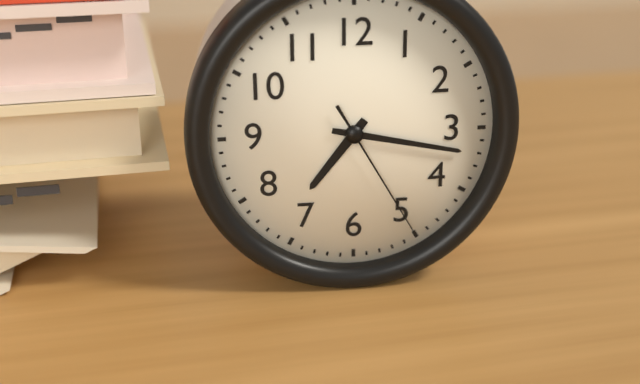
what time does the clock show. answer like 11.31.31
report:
7.17.25
